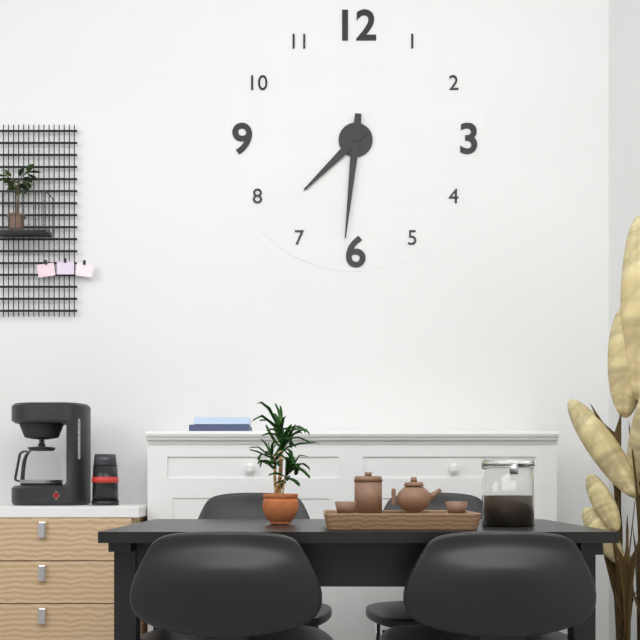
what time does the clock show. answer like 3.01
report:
7.31
